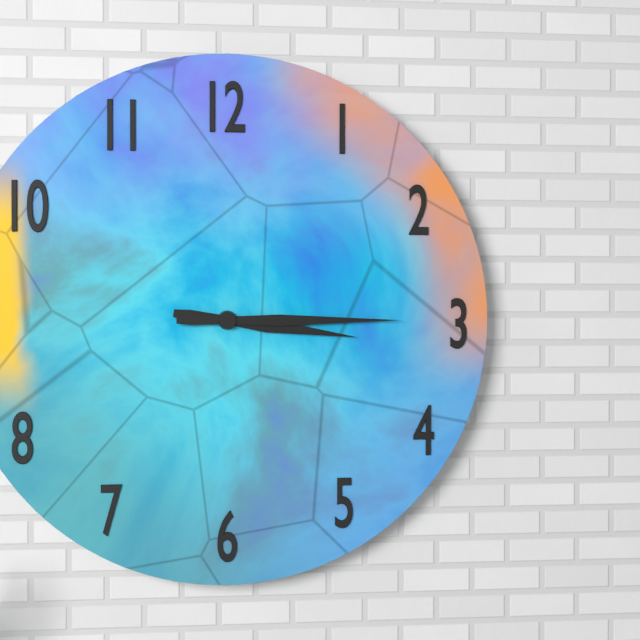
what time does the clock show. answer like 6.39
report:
3.15
